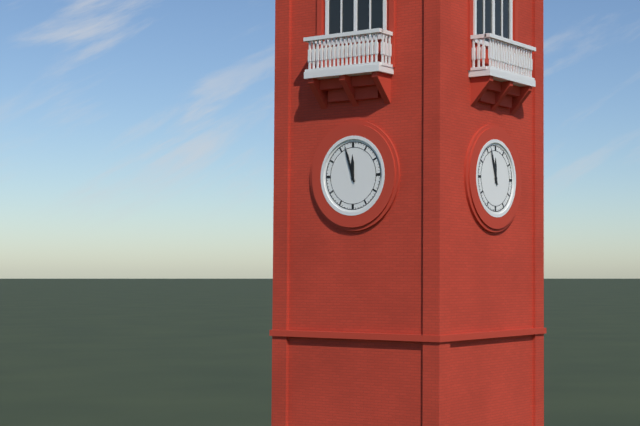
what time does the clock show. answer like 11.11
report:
11.57
